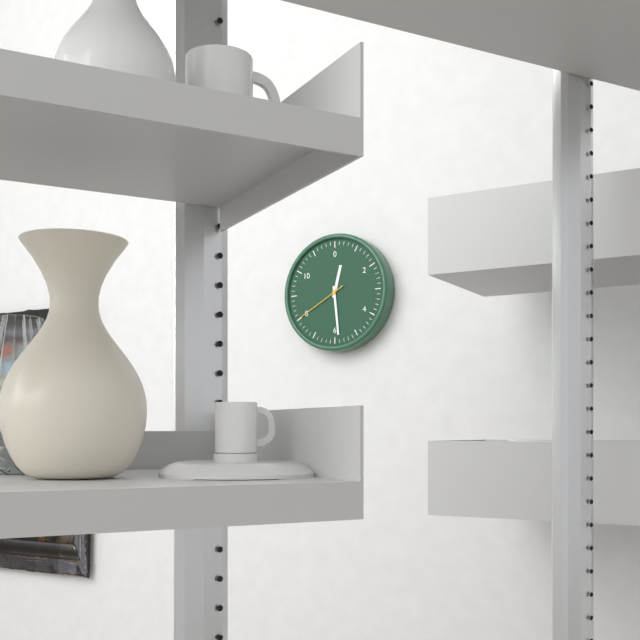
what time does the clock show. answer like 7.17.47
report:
12.29.40
